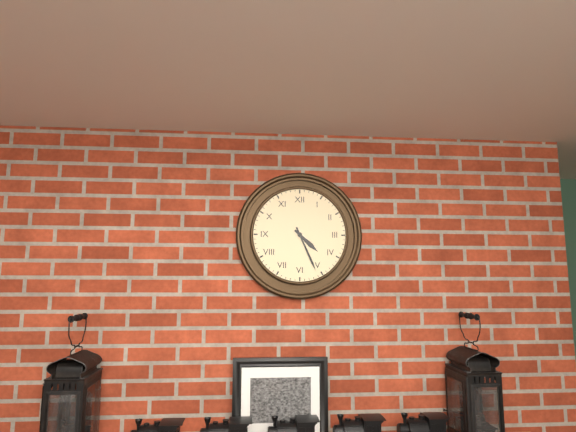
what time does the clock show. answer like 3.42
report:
4.26
